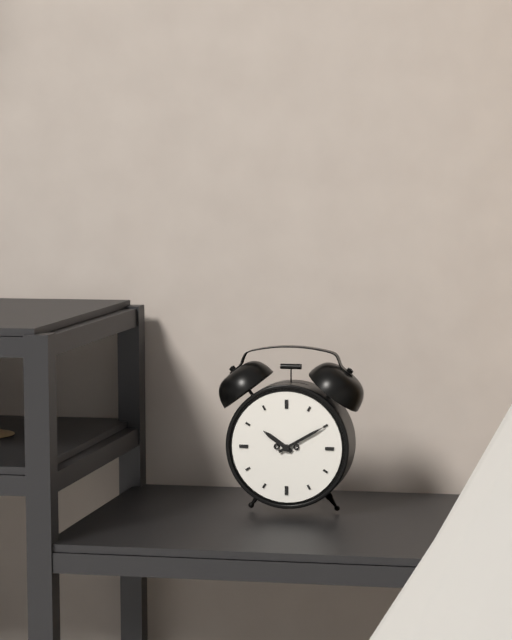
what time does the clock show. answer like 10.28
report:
10.10
